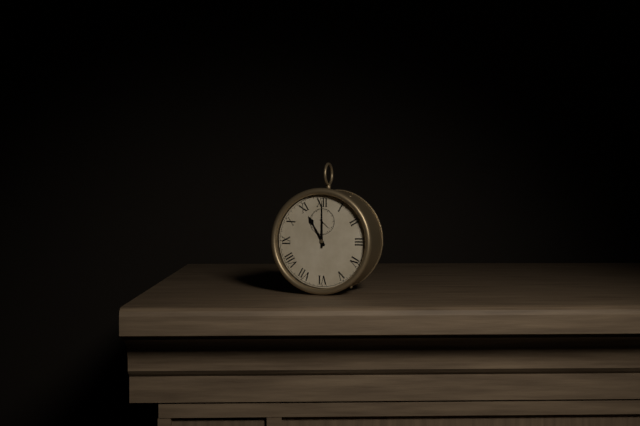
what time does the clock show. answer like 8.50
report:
11.00
